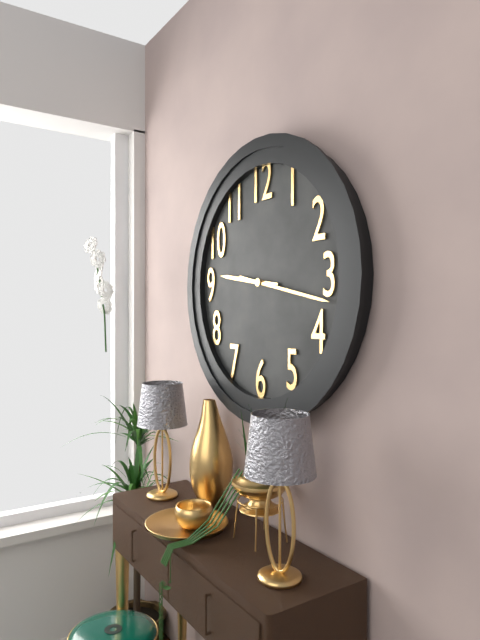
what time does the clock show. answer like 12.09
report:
9.17
